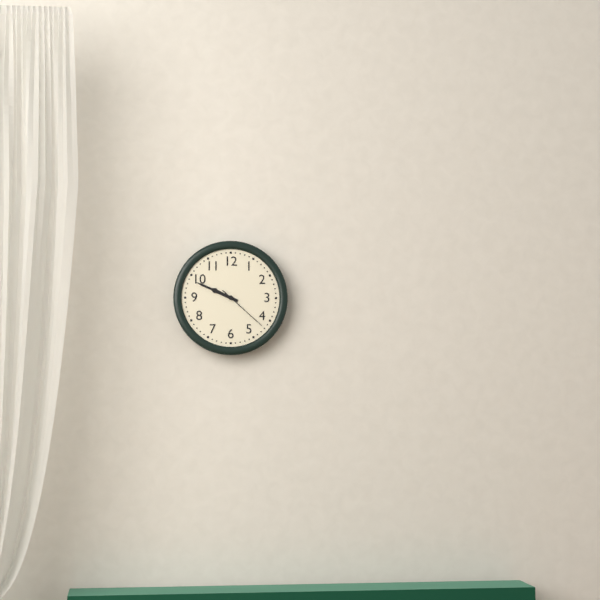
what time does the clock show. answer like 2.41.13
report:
9.49.22
